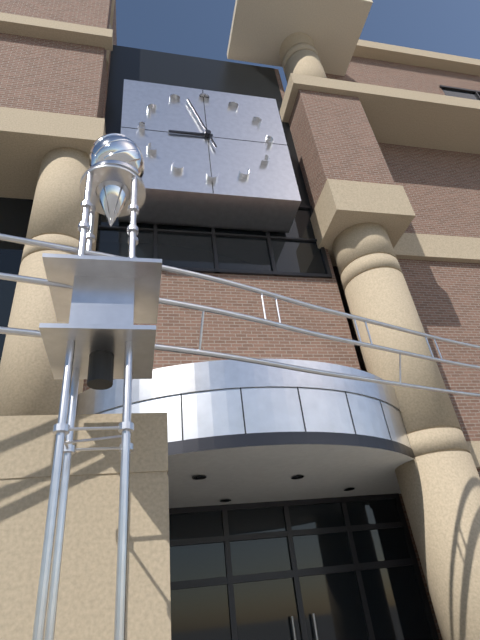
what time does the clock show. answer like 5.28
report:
8.57
